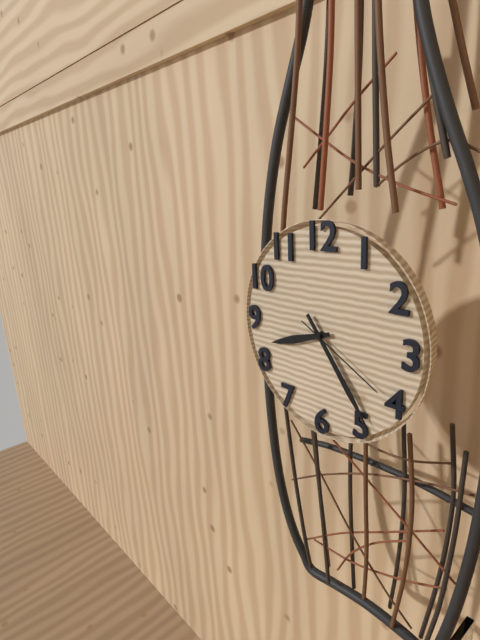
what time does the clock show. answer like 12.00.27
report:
8.24.20
